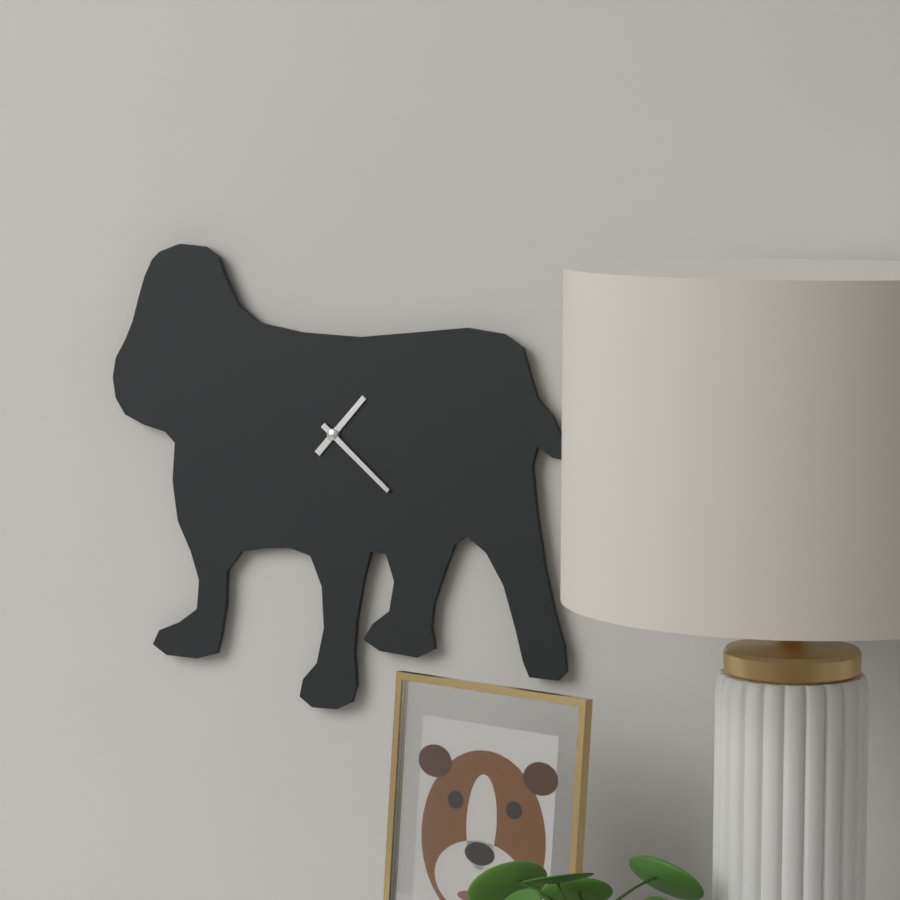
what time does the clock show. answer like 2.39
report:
1.22
